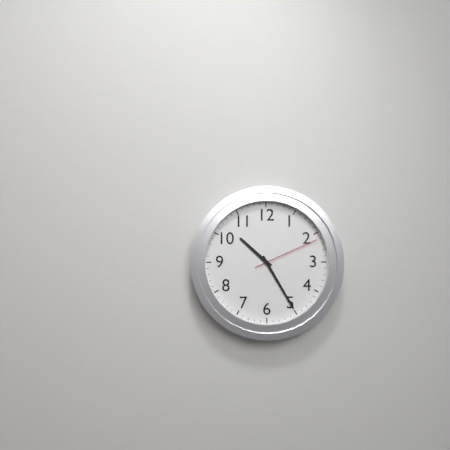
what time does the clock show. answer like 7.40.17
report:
10.25.11
